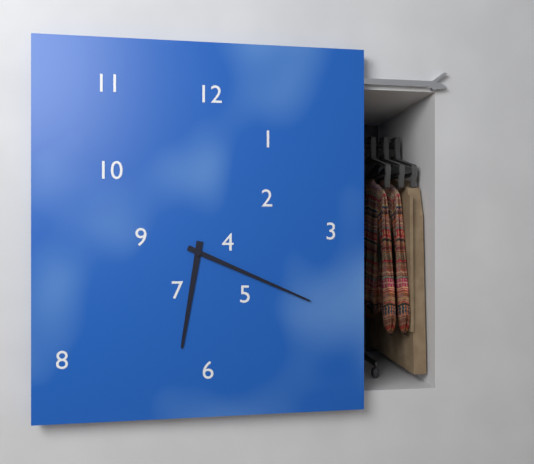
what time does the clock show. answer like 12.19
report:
6.19
